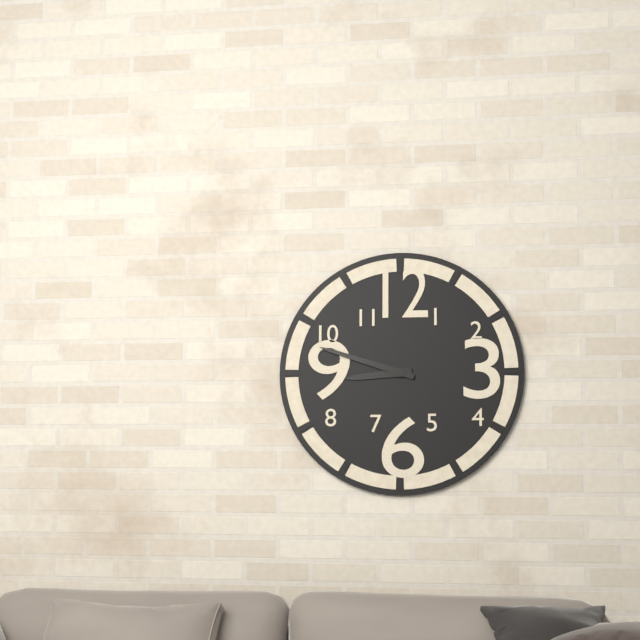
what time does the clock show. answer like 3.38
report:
8.48
